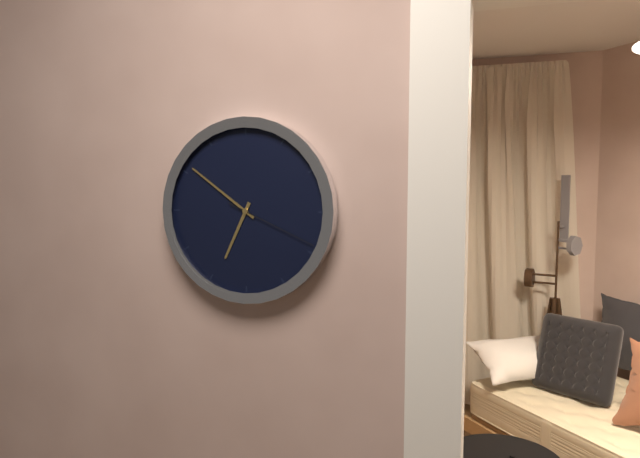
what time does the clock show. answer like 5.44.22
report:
6.51.19
